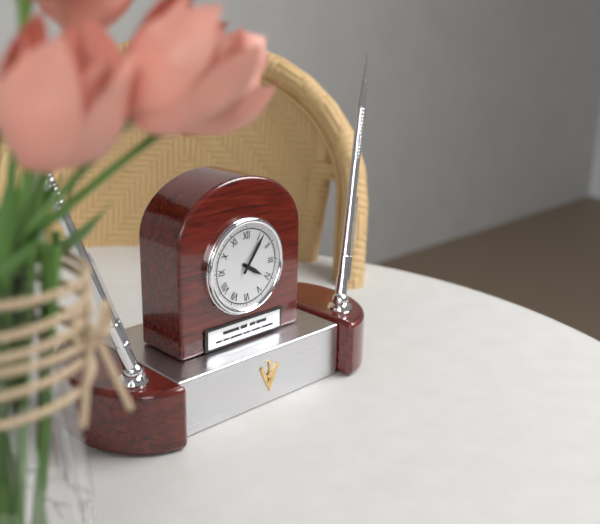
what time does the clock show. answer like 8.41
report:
4.06
